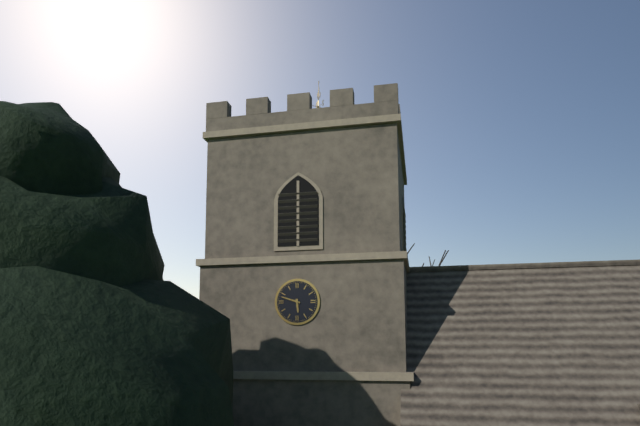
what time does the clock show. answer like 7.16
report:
5.48
